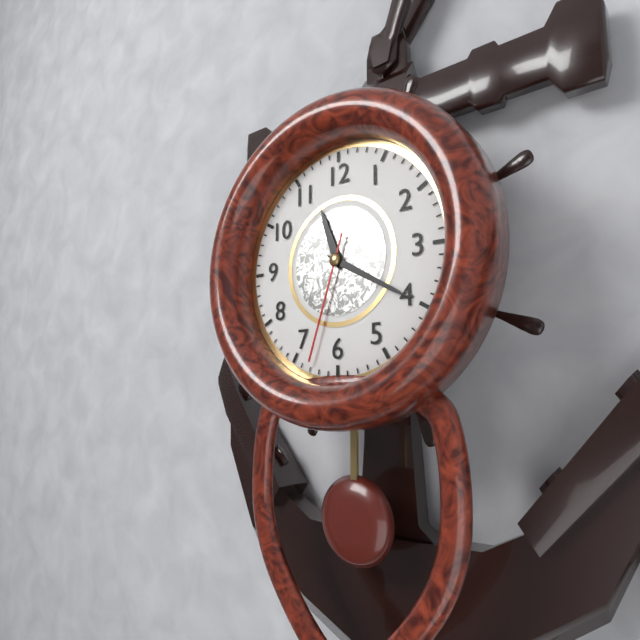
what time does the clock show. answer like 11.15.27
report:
11.20.33
